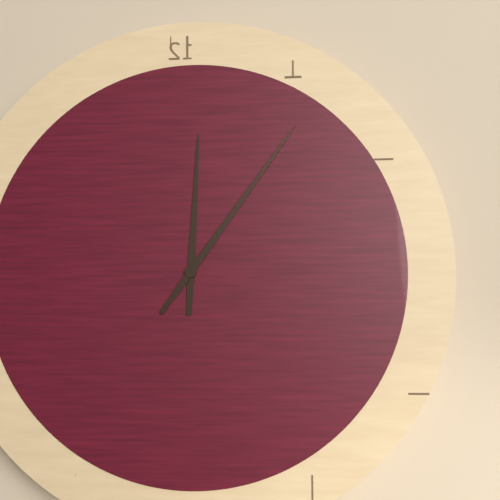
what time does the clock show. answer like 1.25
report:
12.06
